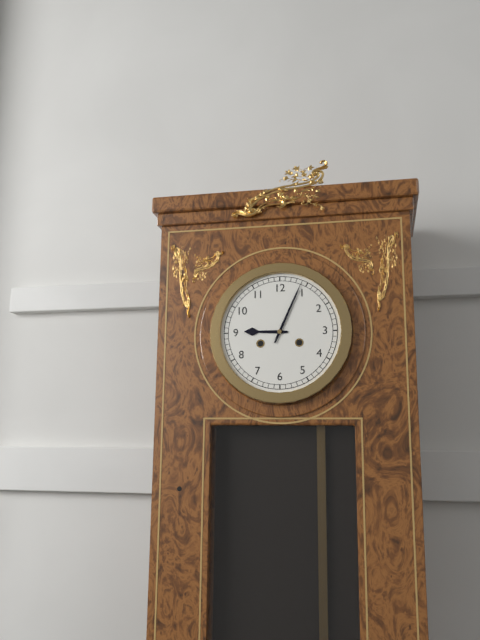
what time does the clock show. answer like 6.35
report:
9.04
